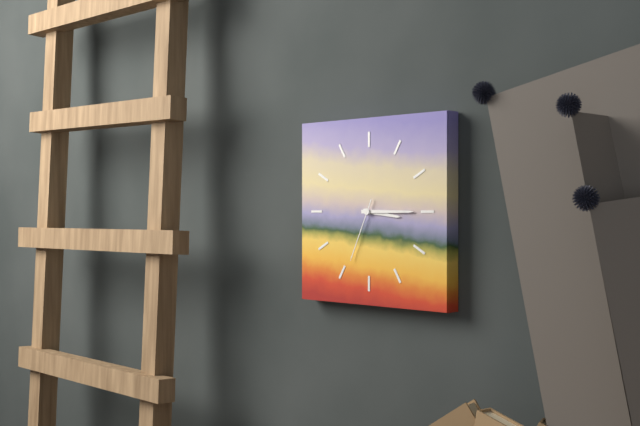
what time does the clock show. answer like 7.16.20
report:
3.15.34
